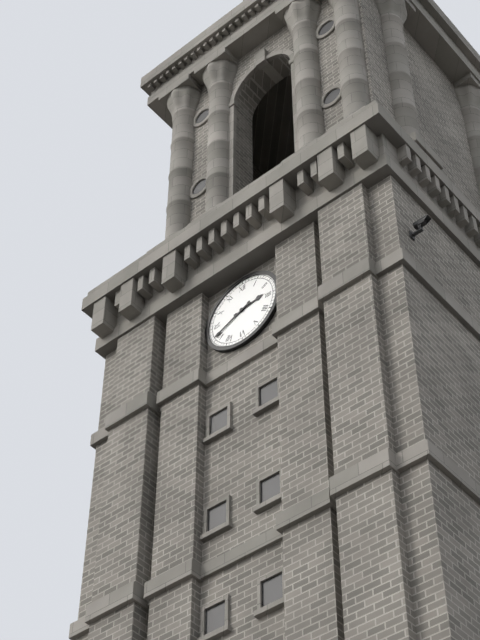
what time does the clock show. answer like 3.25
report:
2.41
